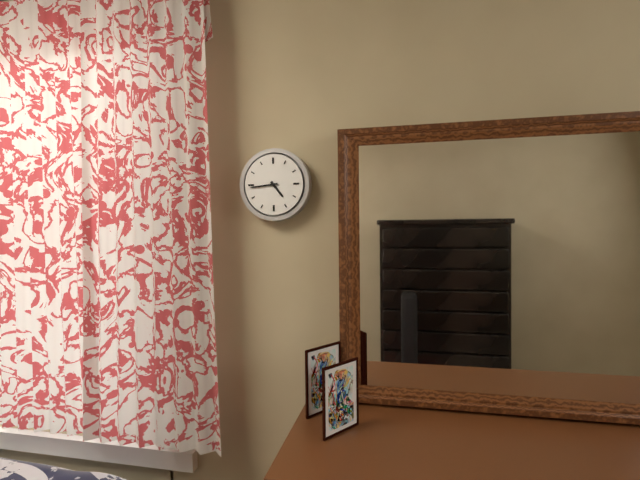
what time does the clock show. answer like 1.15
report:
4.44
